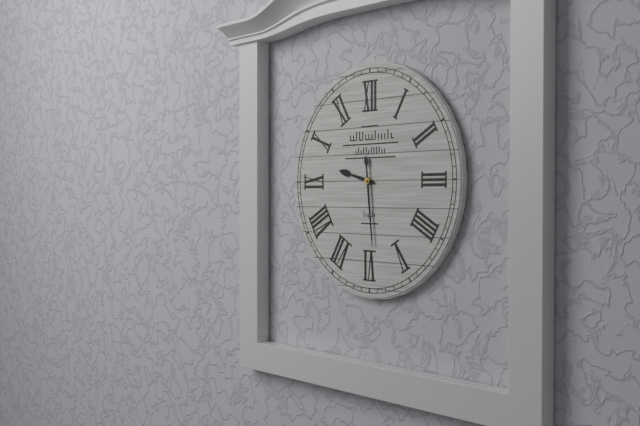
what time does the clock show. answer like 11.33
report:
9.29
